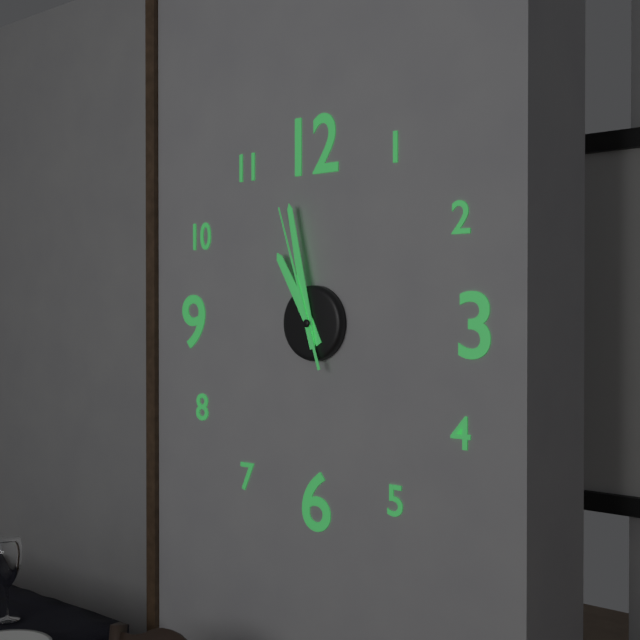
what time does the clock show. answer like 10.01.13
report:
10.58.57
